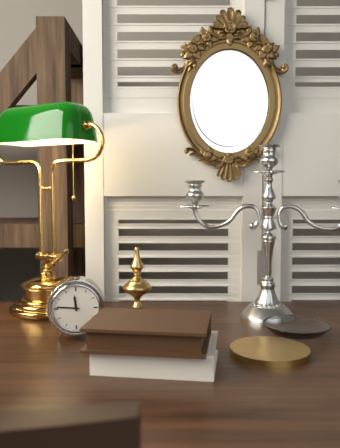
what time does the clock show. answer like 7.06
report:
11.46
